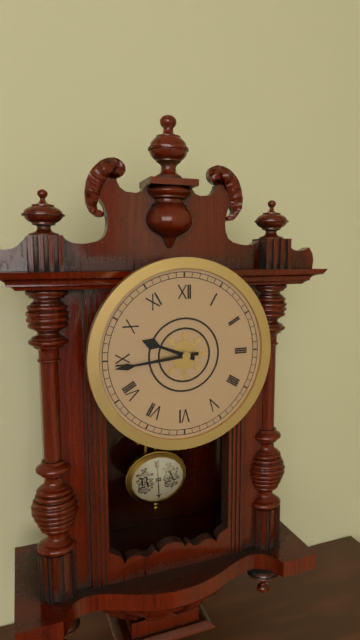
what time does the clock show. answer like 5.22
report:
9.44
